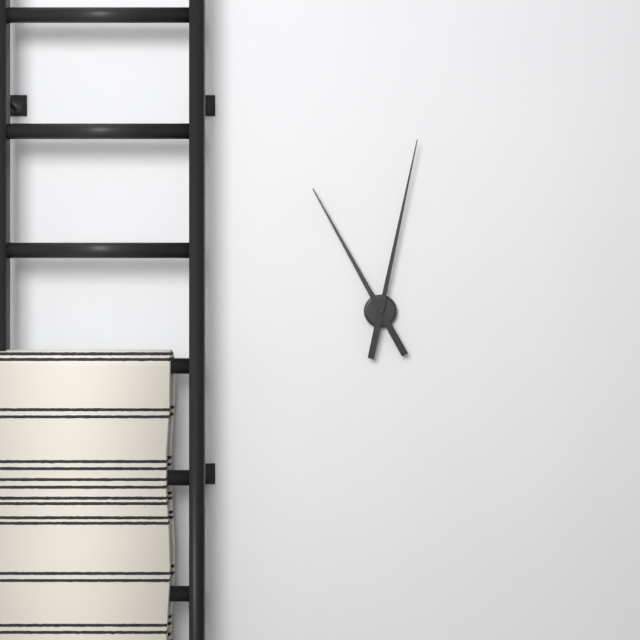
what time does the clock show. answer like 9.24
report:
11.02
